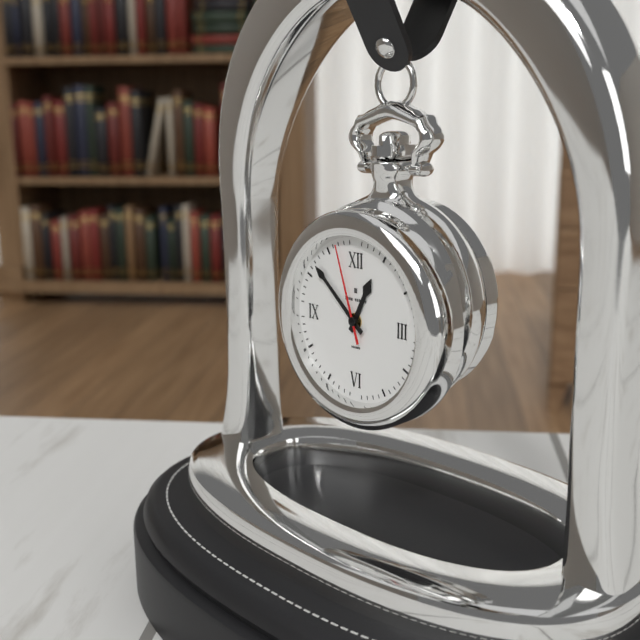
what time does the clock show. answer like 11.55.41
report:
12.52.57
